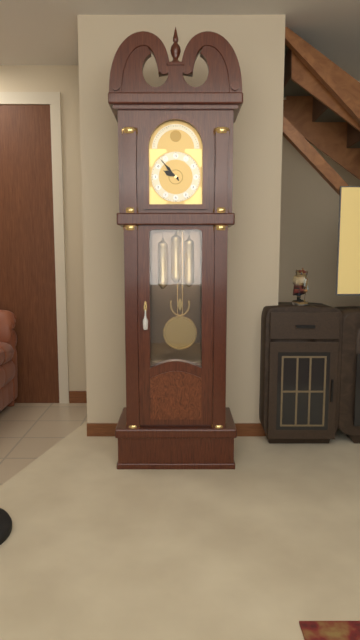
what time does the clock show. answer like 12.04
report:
9.53
